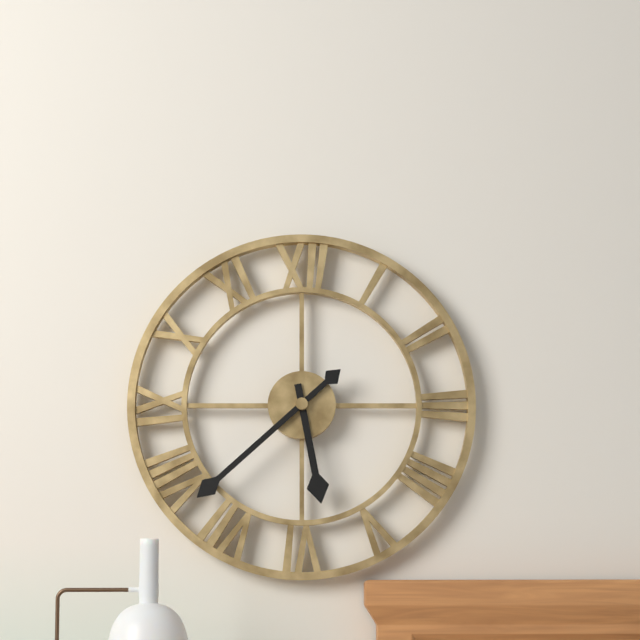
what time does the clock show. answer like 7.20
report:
5.38
